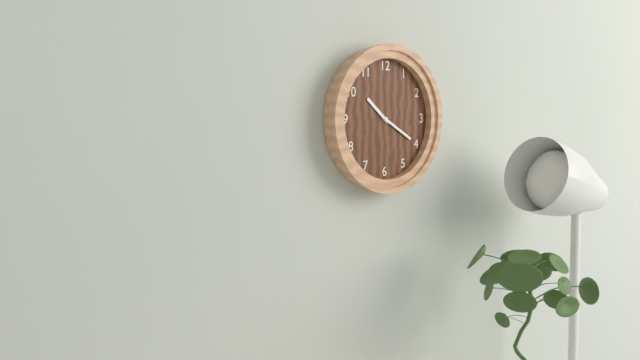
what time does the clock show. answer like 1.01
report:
10.20
